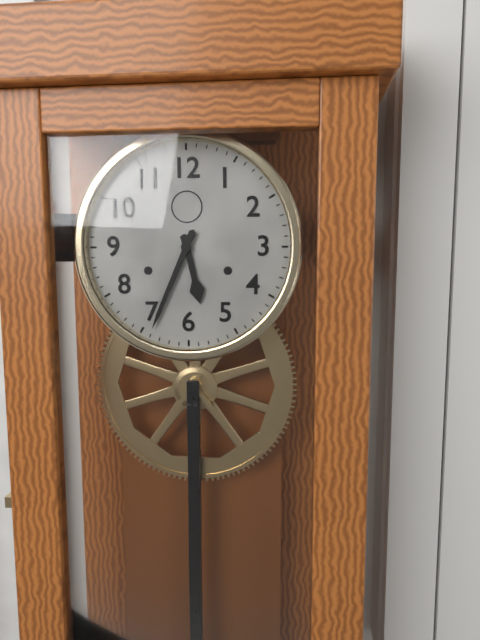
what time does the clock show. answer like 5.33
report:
5.34
